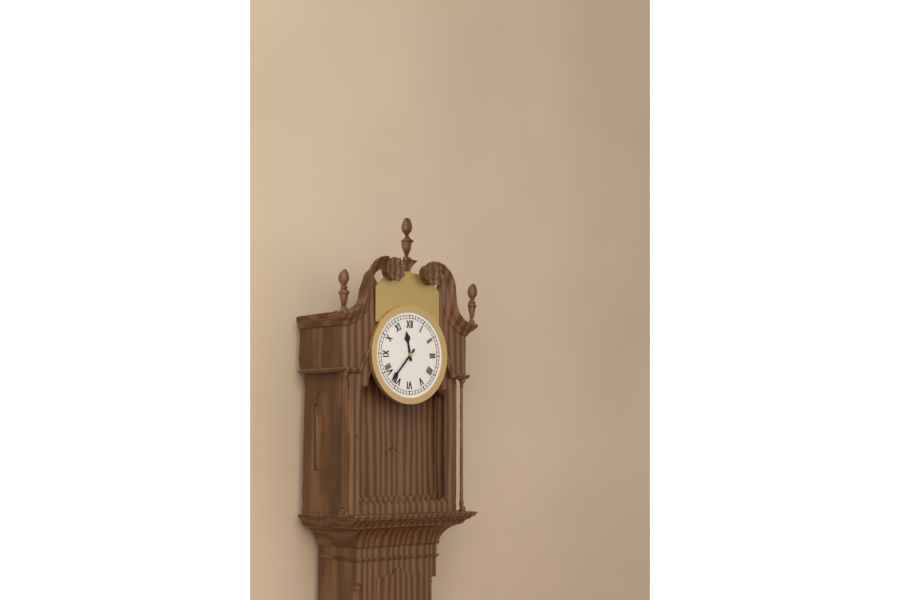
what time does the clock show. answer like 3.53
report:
11.37
